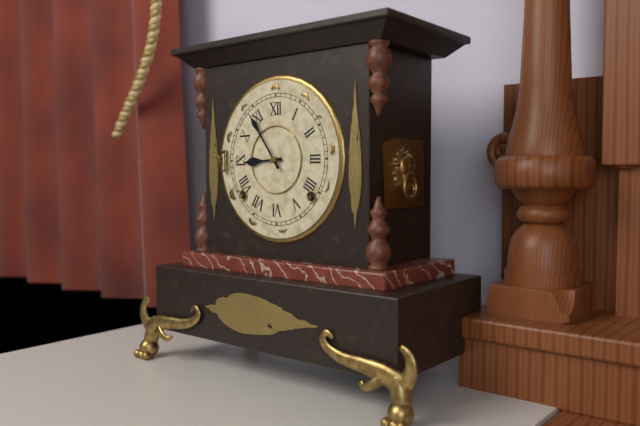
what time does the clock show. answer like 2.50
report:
8.54
